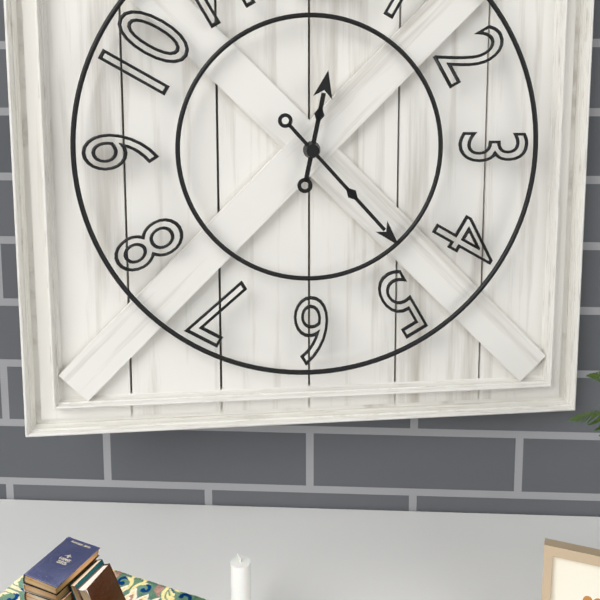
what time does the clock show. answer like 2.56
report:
12.23
